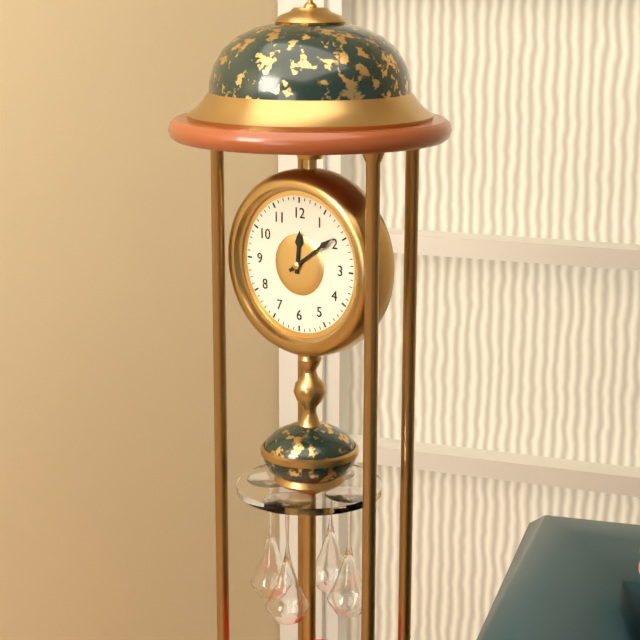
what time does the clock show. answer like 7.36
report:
12.09
